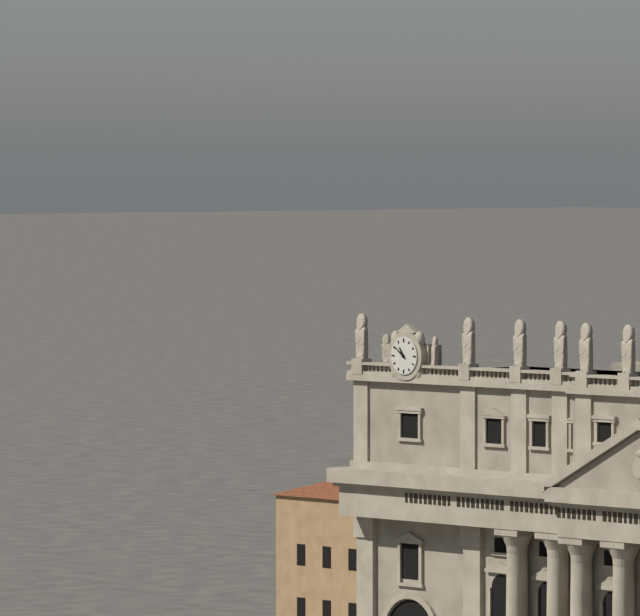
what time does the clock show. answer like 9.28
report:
10.51
